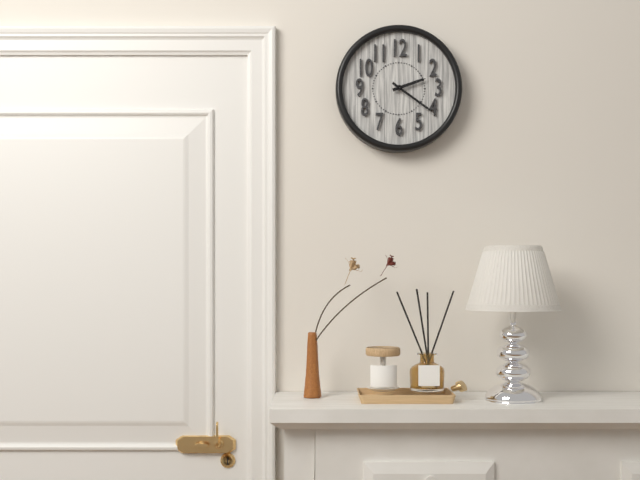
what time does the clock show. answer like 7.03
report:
2.21
